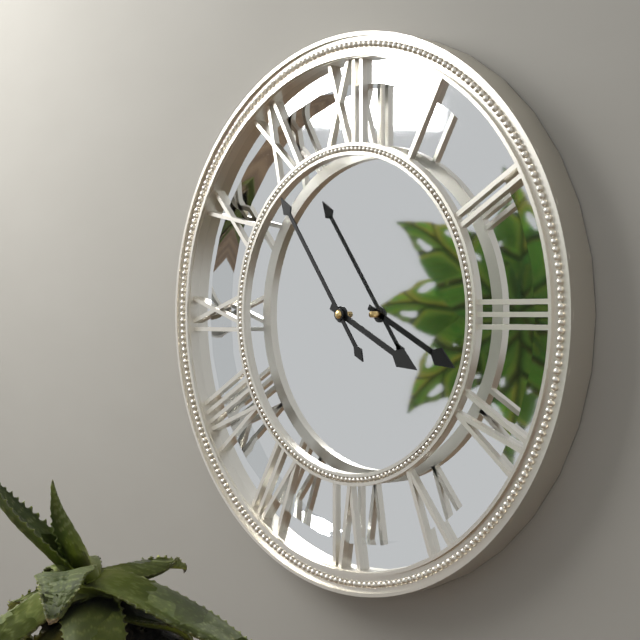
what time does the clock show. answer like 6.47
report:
3.54
